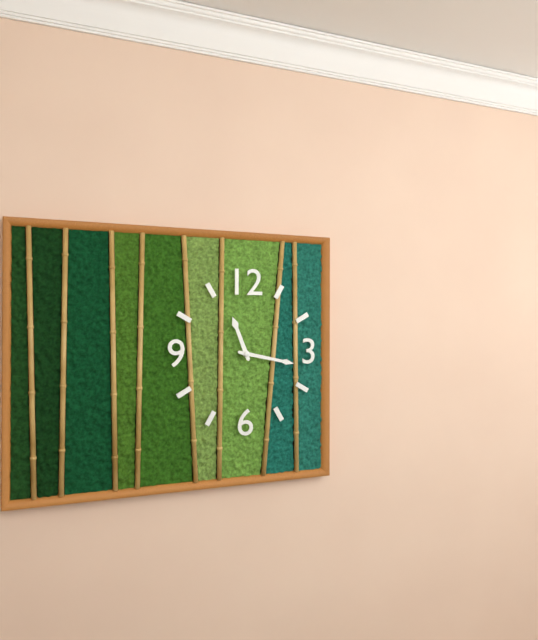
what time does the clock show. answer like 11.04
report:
11.17
